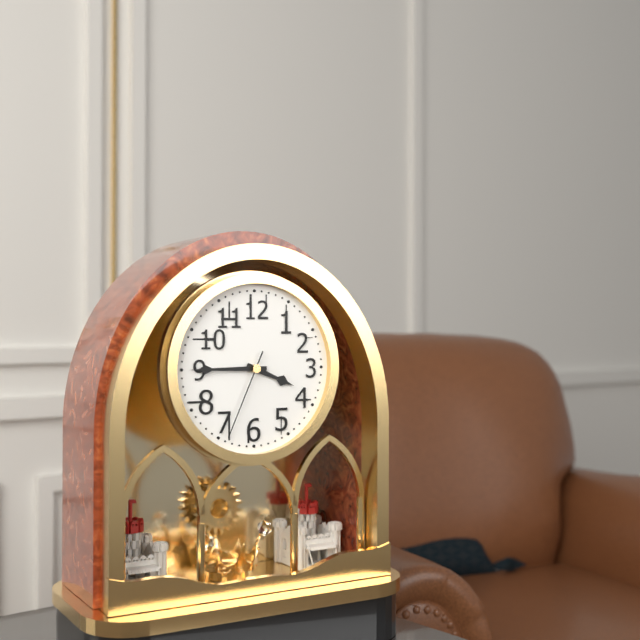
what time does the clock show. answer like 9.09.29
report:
3.45.34
